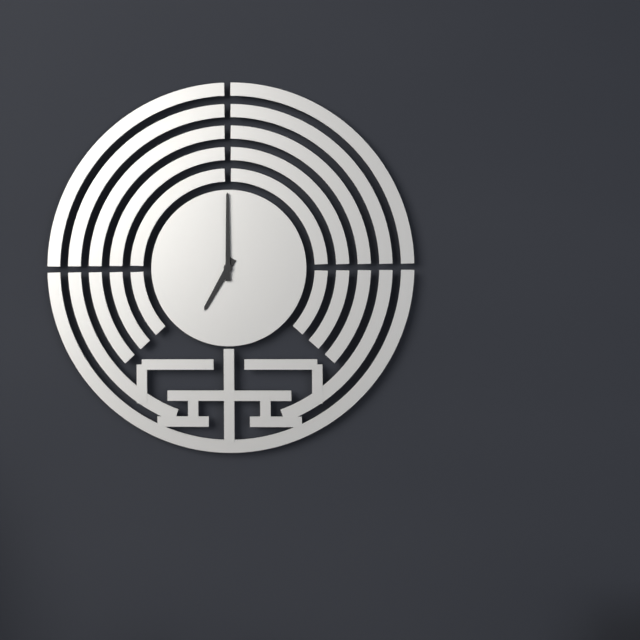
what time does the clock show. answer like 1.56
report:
7.00
